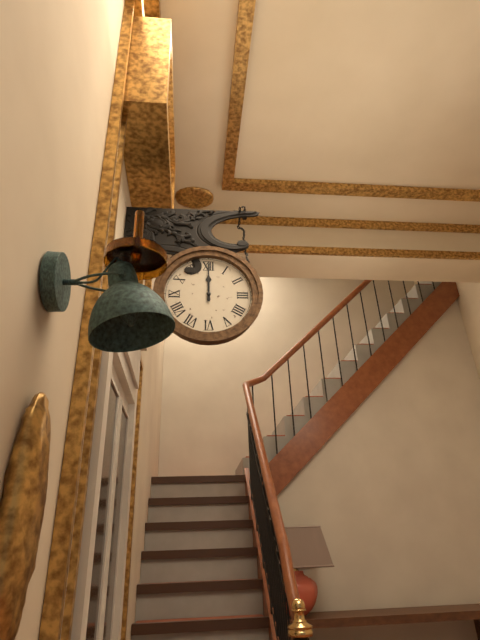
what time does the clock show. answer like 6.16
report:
12.00
